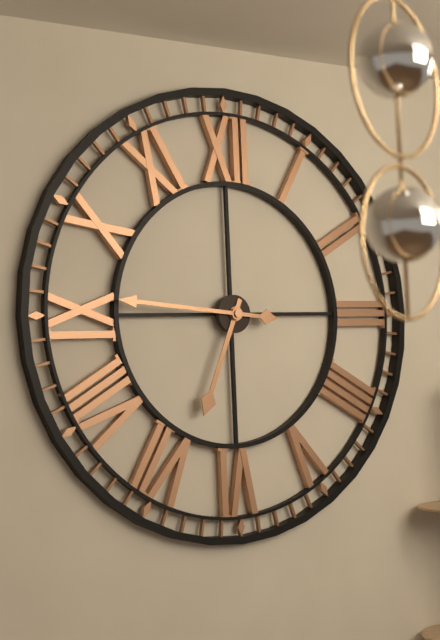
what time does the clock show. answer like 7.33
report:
6.46
